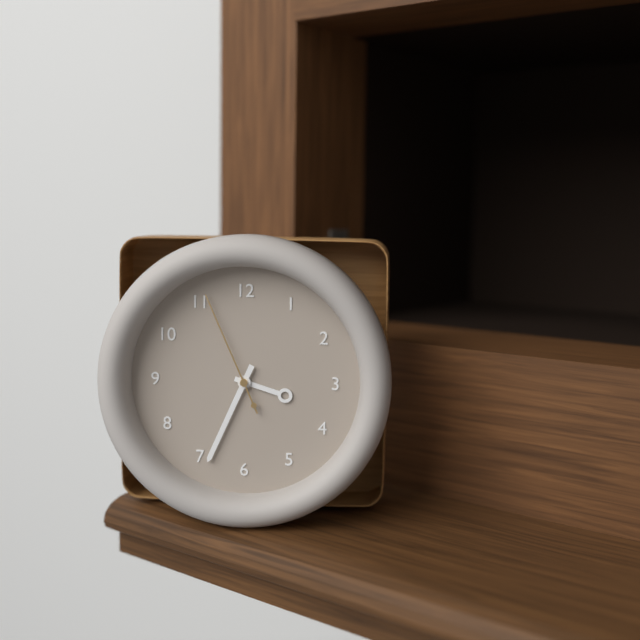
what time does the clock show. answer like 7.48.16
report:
3.34.56
